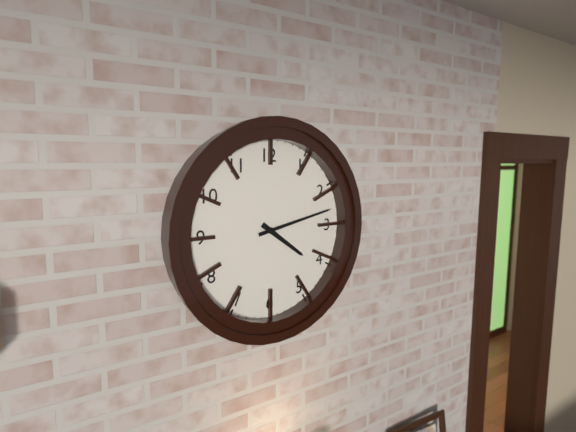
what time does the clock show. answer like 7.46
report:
4.13
